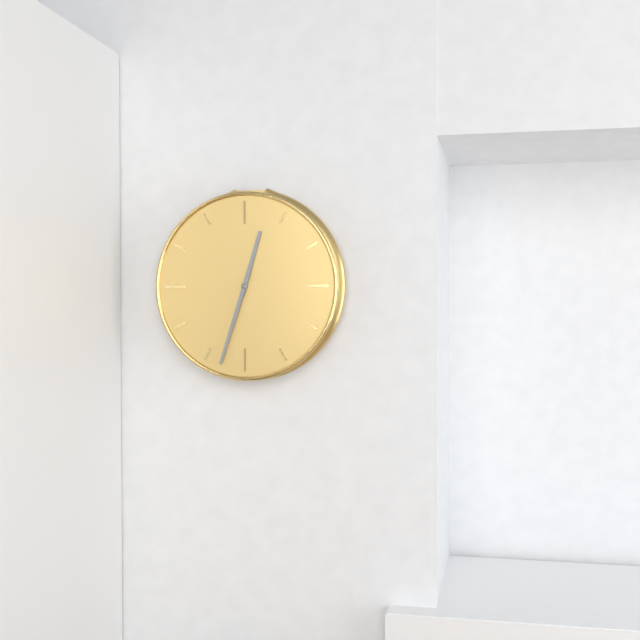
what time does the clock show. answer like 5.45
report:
12.33
